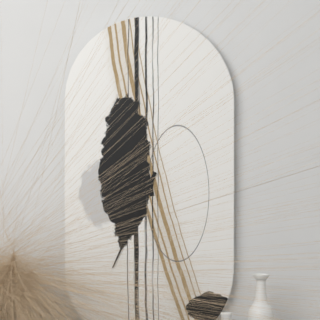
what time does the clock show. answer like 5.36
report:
11.34
